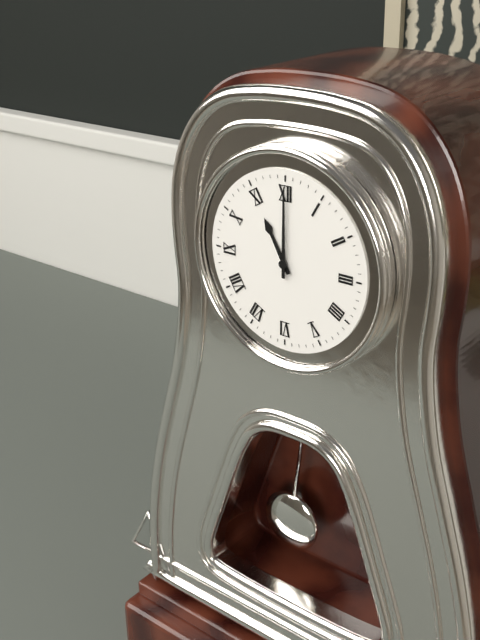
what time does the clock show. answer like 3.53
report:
11.00
